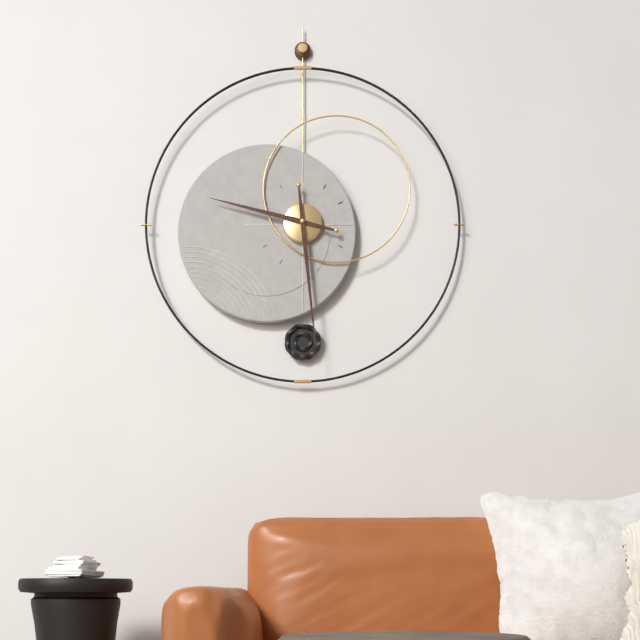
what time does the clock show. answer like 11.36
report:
9.29
